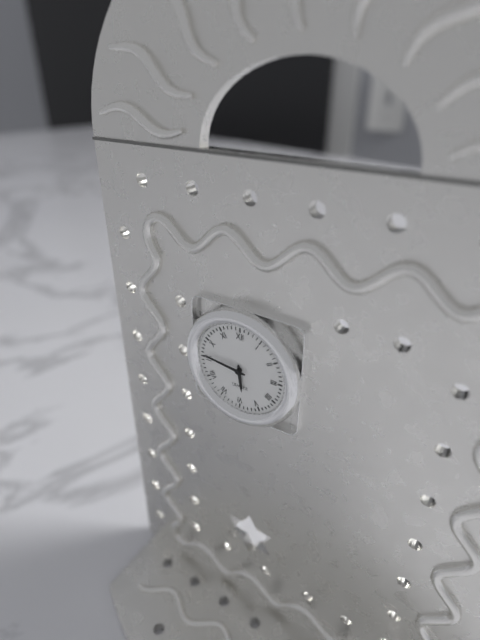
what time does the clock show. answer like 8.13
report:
5.46
